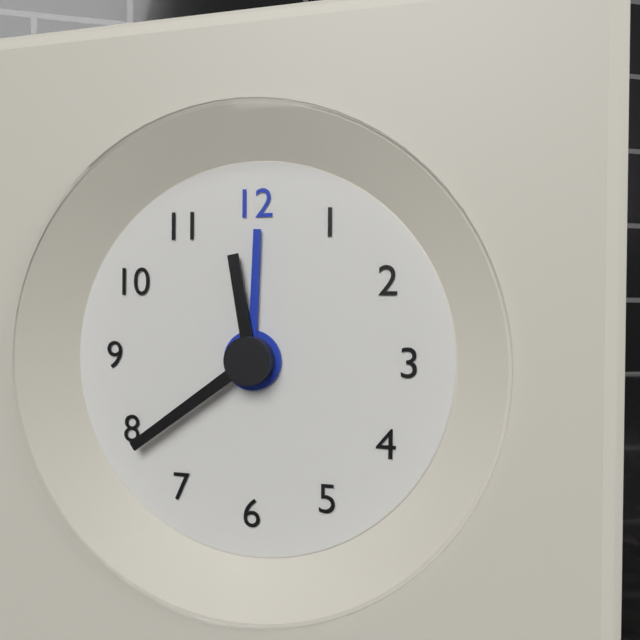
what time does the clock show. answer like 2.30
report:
11.39
